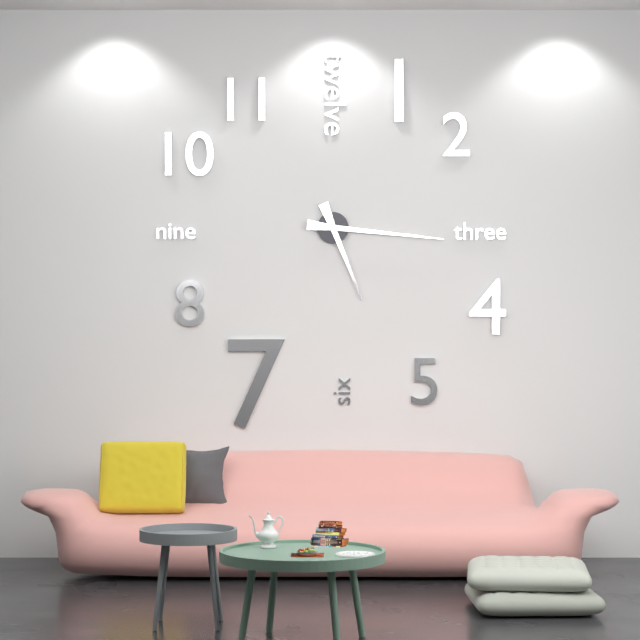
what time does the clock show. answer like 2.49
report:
5.16
